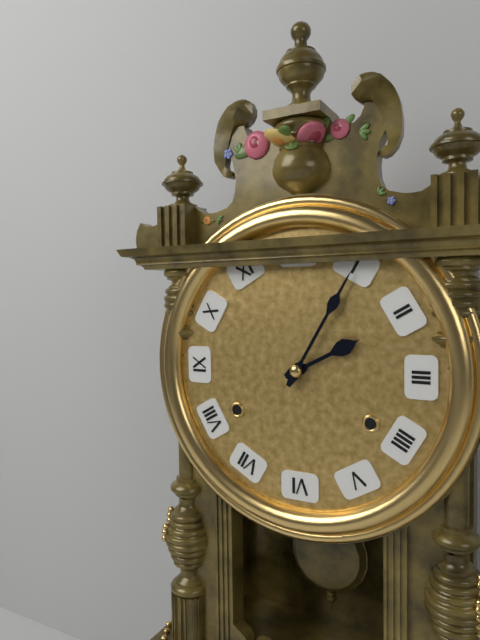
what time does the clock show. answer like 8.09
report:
2.05
